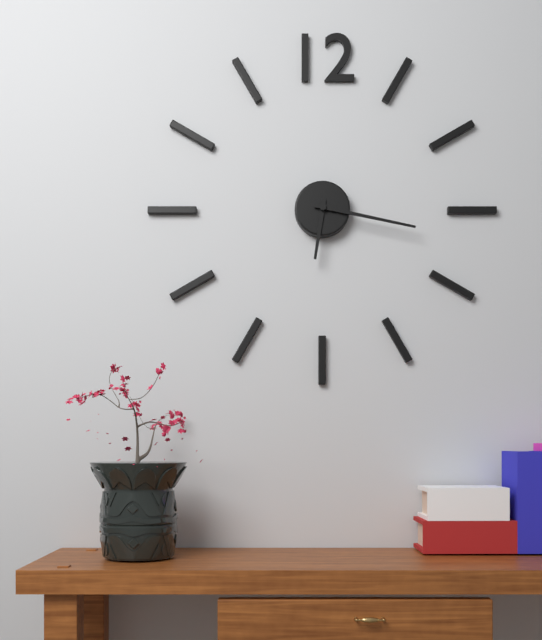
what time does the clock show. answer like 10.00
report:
6.17
